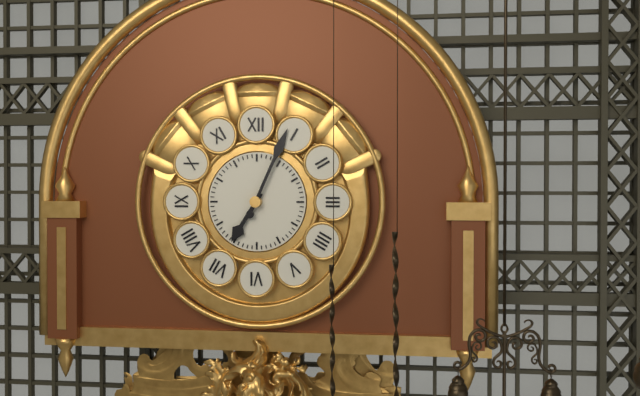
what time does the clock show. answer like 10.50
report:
7.04
